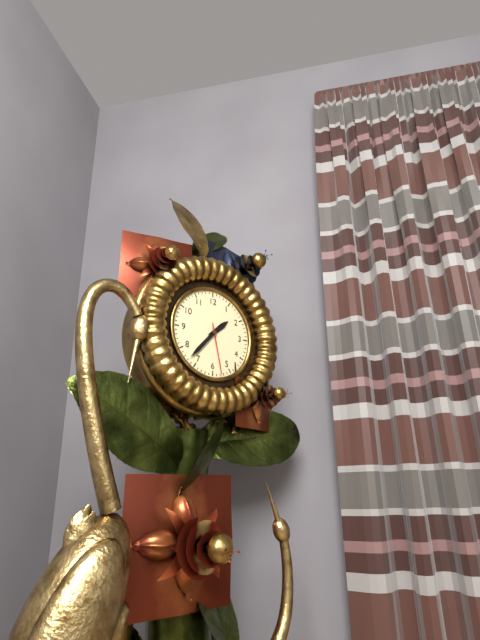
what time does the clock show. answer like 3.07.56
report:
1.37.28
